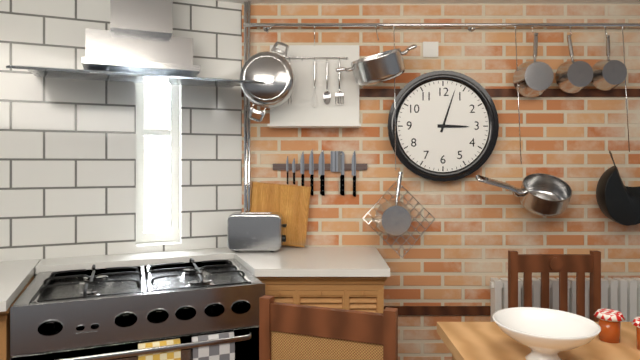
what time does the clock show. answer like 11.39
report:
3.03
